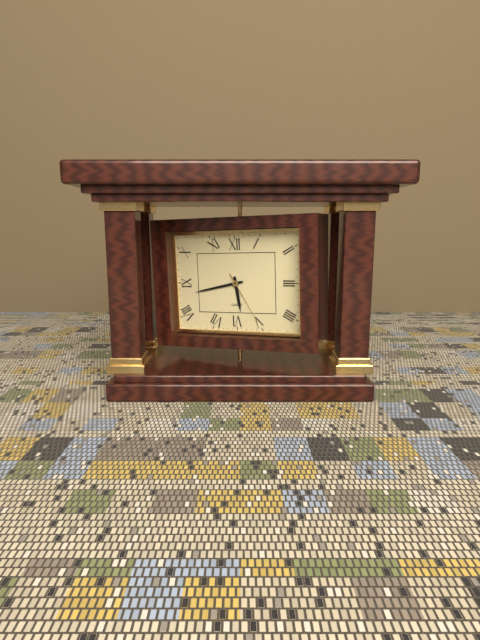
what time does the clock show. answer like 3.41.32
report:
5.43.25
